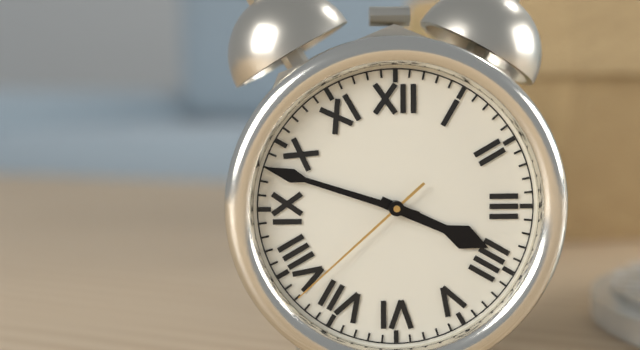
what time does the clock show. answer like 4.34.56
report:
3.48.38
